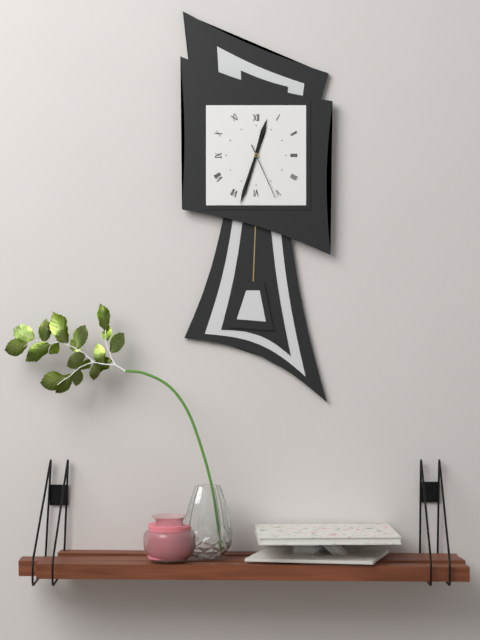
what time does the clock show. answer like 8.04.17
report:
12.33.26
